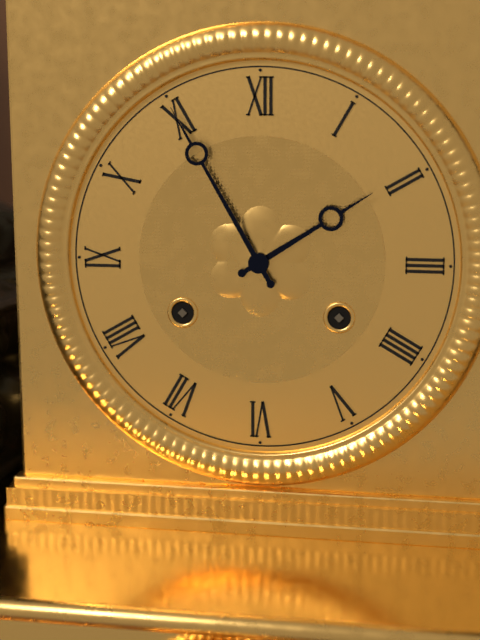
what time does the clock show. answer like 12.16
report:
1.55
